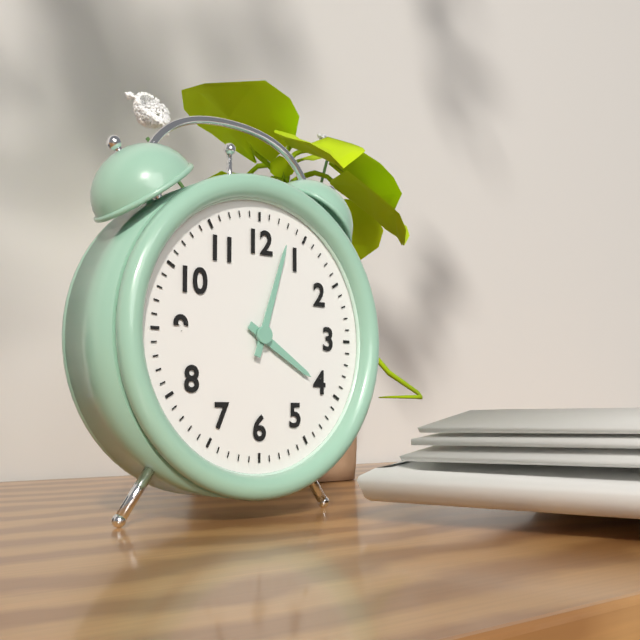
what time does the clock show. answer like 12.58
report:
4.03
